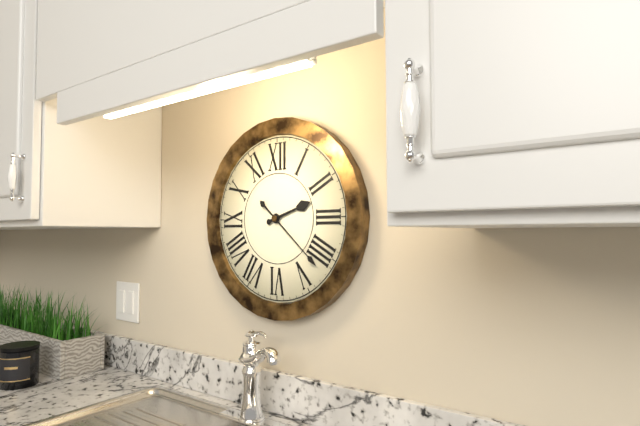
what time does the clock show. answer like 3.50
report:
2.22
